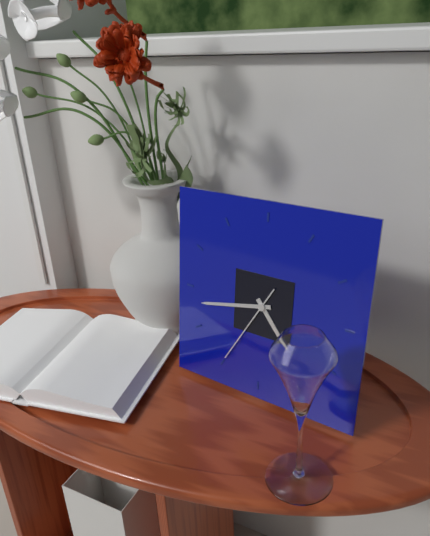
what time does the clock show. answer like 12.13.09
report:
4.43.35
